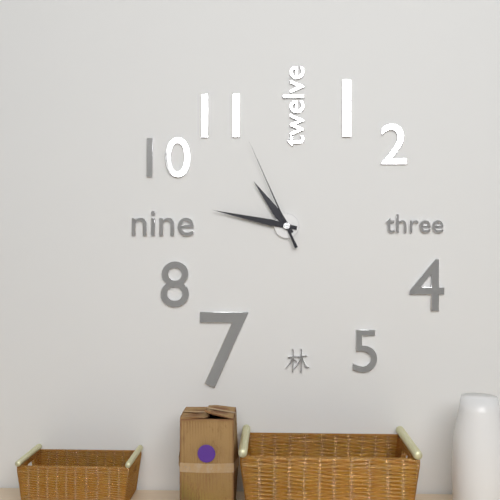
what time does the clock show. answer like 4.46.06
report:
10.47.56
